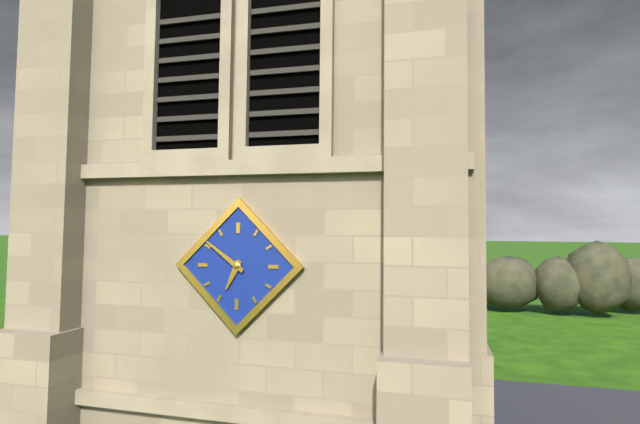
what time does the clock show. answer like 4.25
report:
6.51
